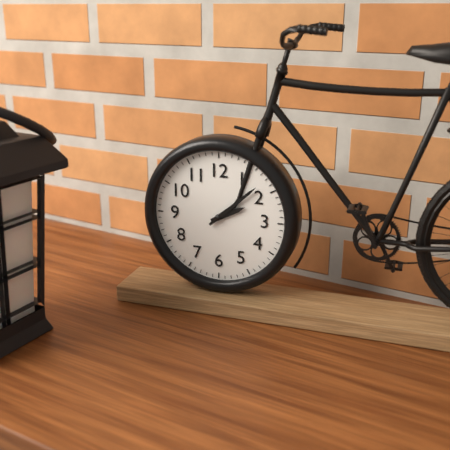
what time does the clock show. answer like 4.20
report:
2.08
